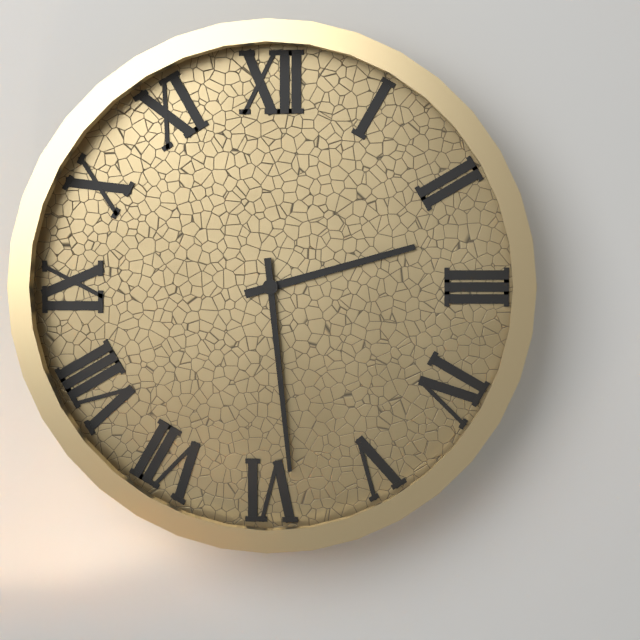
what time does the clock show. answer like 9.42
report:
2.29
